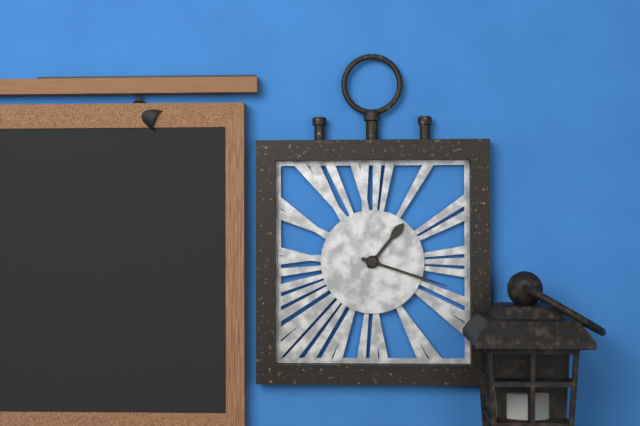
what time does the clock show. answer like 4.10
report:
1.18
